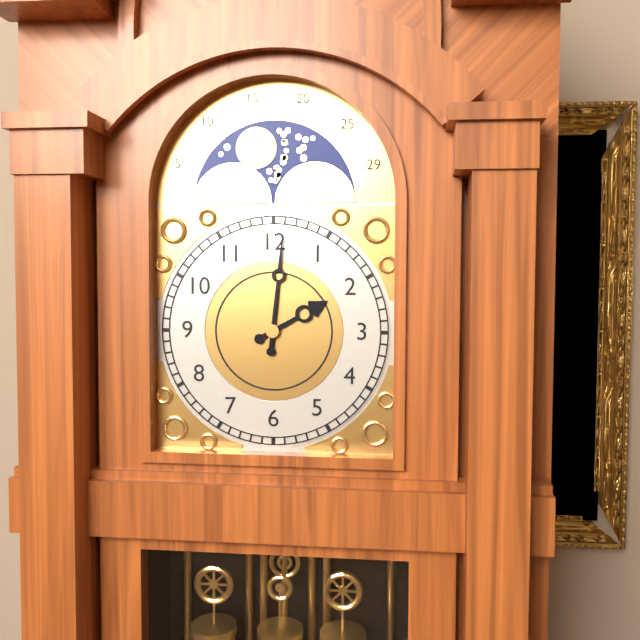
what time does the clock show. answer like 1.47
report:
2.01
